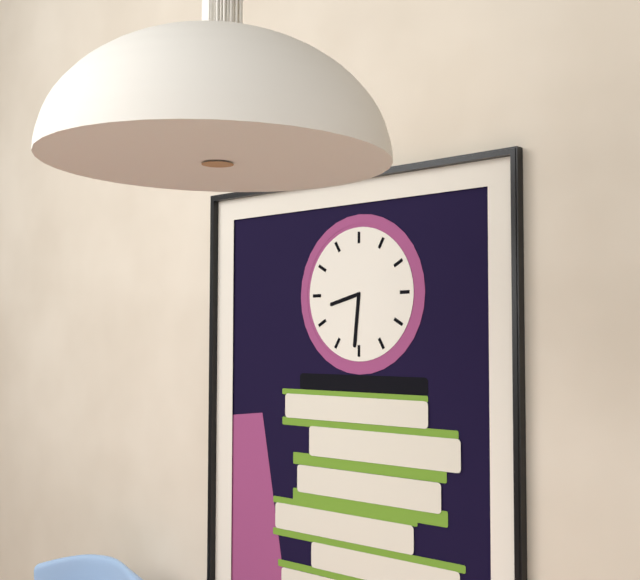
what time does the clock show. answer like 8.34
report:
8.31
